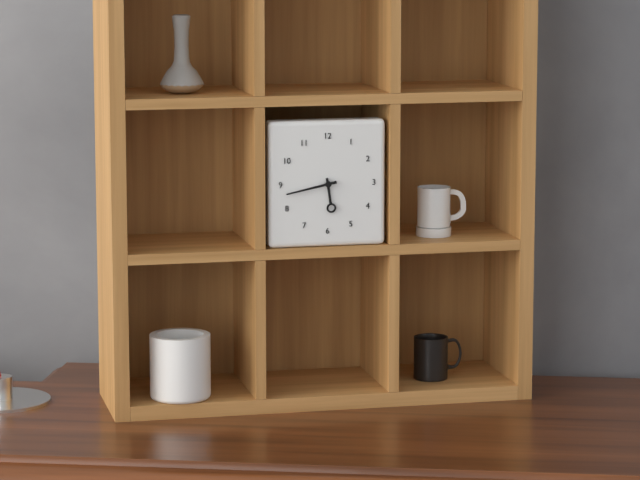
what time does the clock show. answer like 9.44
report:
5.43
